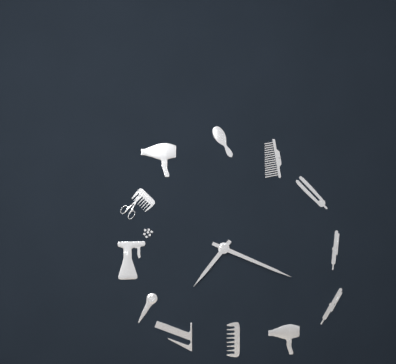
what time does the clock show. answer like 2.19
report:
7.19
